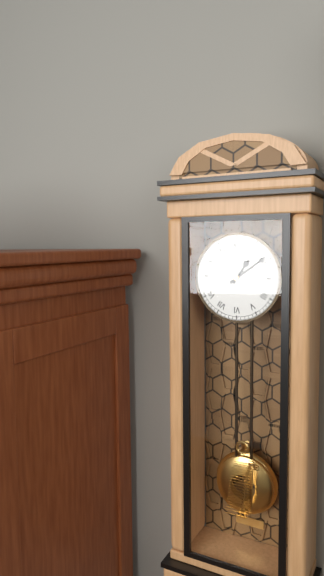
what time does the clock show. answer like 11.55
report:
1.09
